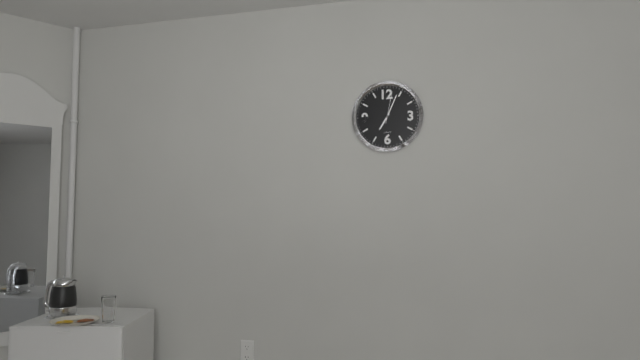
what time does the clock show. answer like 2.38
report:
7.04
